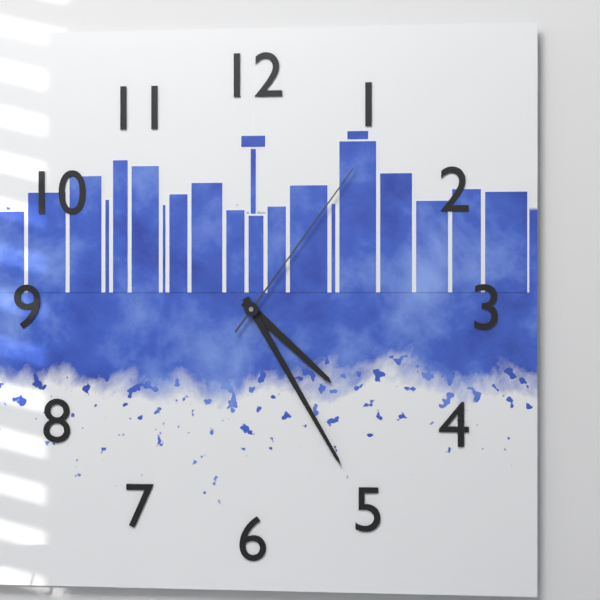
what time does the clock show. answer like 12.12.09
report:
4.25.06
